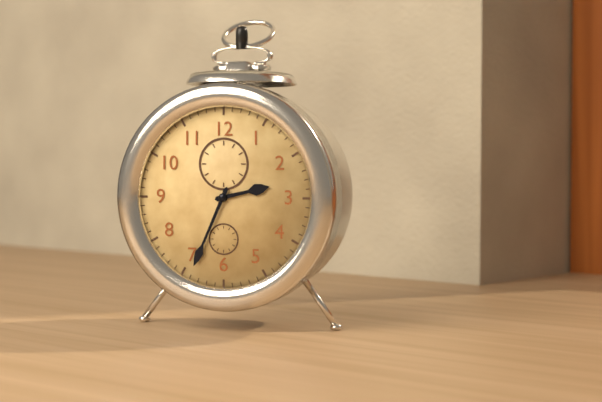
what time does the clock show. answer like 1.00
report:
2.34
